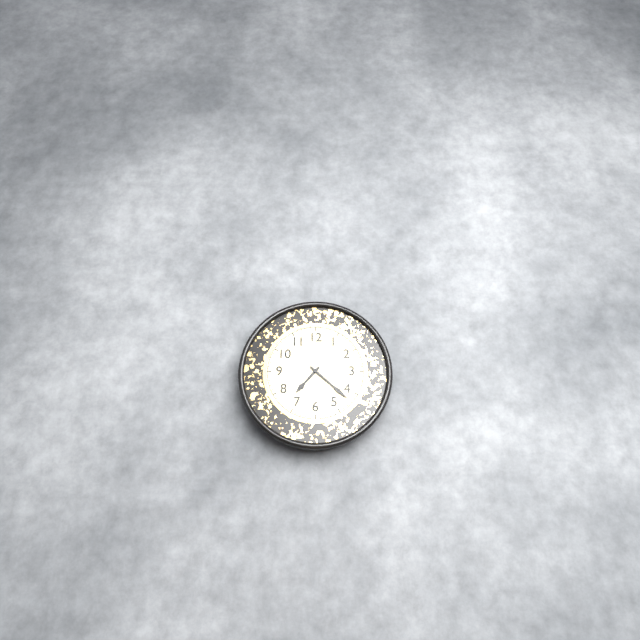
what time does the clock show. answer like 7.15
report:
7.22
